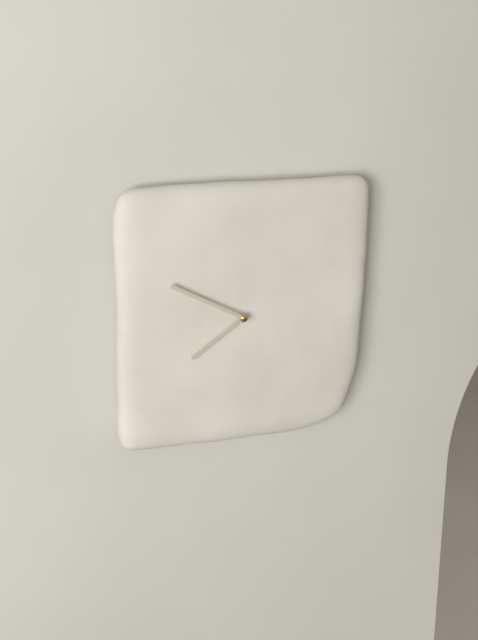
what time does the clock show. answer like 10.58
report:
7.50
